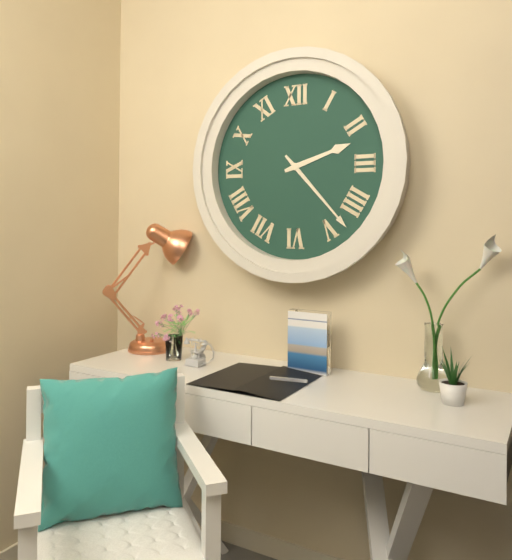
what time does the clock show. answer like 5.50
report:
2.23
